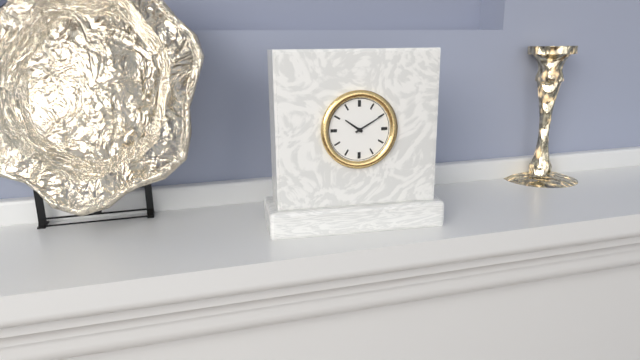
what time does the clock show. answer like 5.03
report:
10.10
